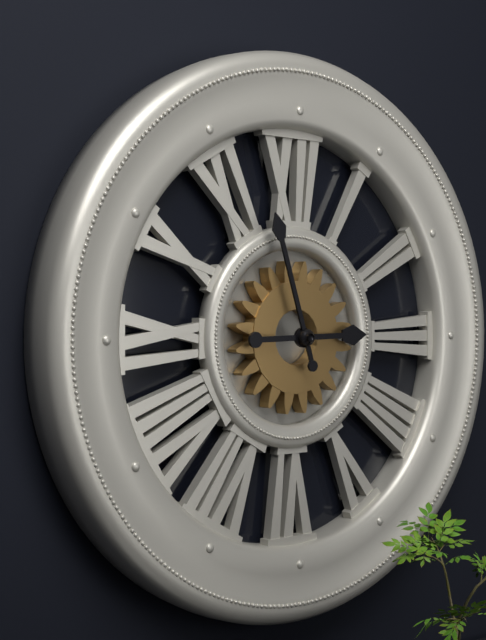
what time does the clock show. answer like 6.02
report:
2.57
